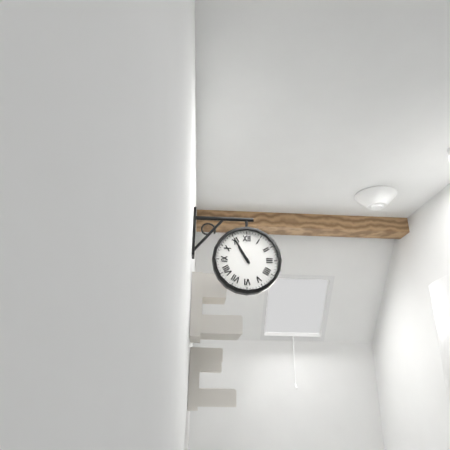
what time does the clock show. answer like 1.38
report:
10.55
